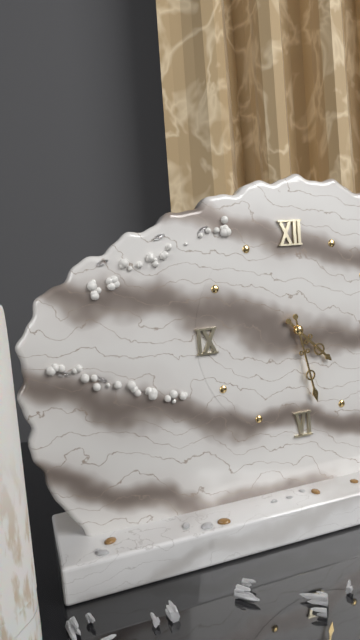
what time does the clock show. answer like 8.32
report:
4.28
